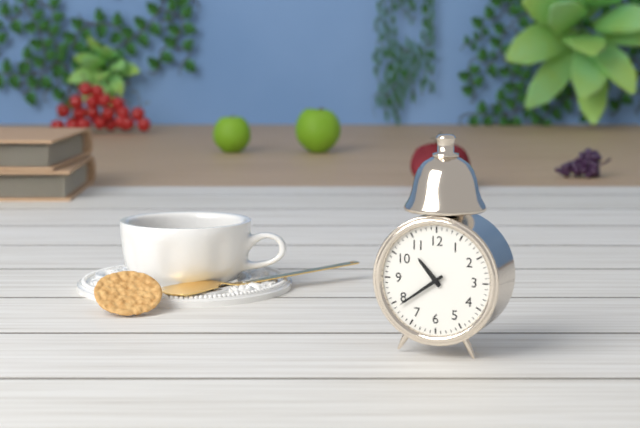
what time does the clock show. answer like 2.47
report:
10.39
